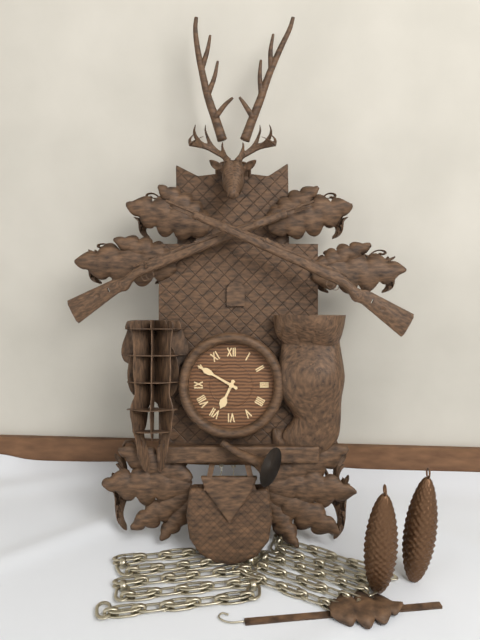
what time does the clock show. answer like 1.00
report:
6.50
